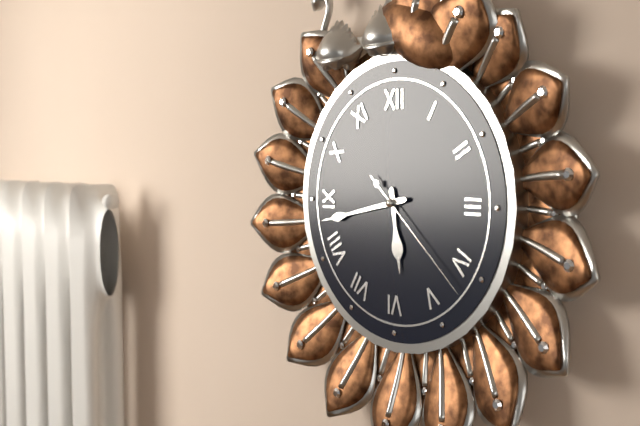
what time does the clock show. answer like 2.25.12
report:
5.43.22
